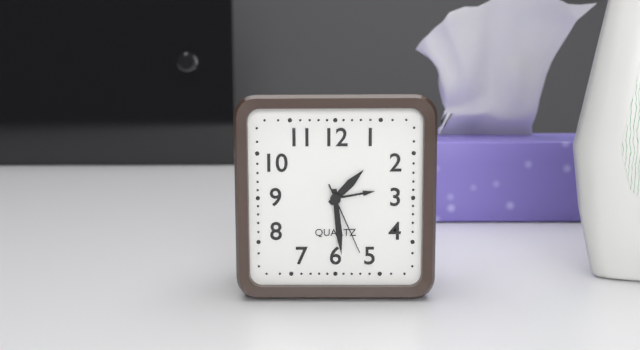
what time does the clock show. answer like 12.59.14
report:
1.29.26
